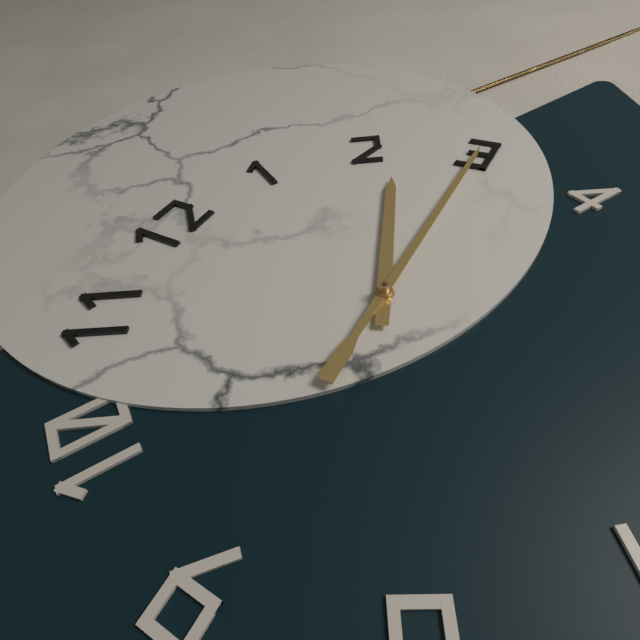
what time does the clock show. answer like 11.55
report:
2.15
